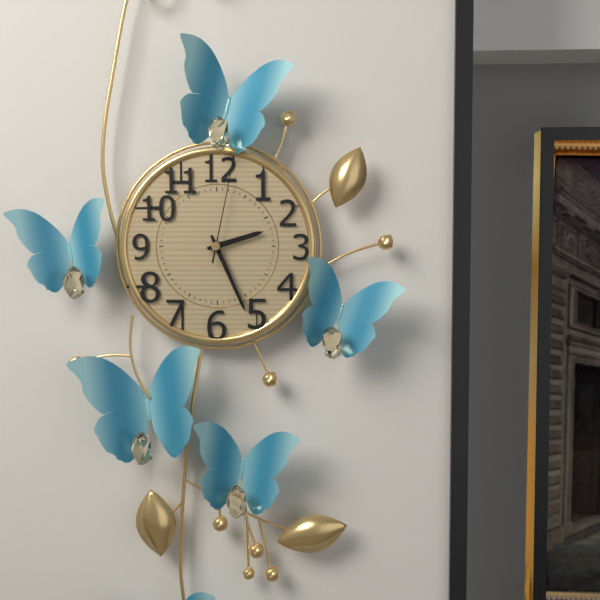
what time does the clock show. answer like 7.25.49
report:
2.26.02
